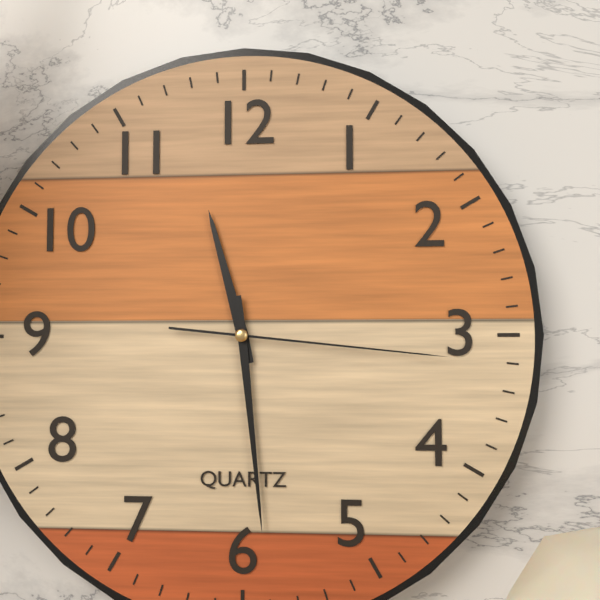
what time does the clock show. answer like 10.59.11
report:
11.29.16
